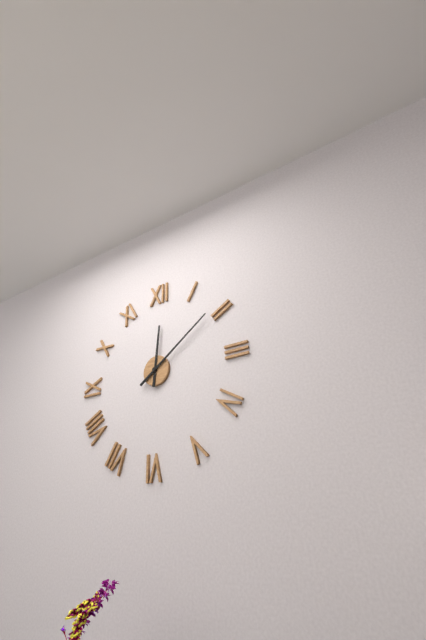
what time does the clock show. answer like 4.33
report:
12.09
